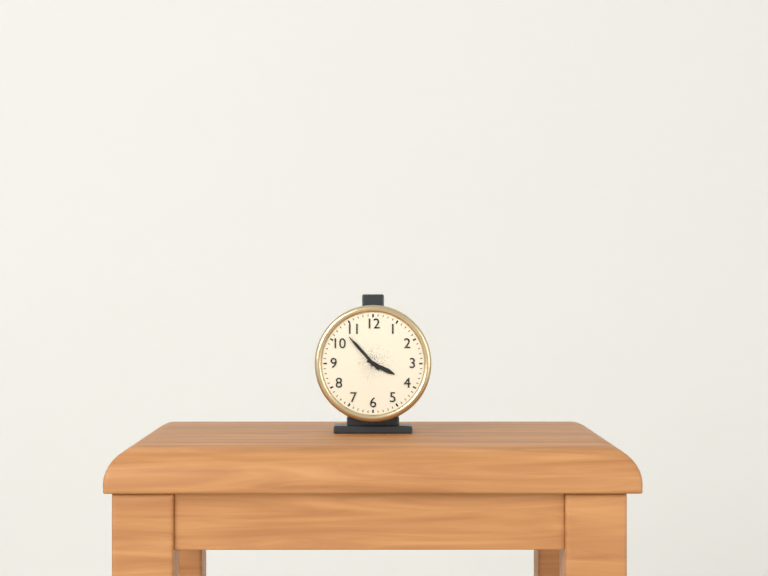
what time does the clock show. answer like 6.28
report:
3.53
